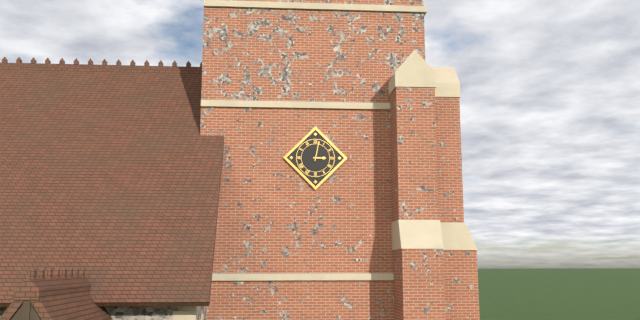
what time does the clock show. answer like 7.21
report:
3.02
